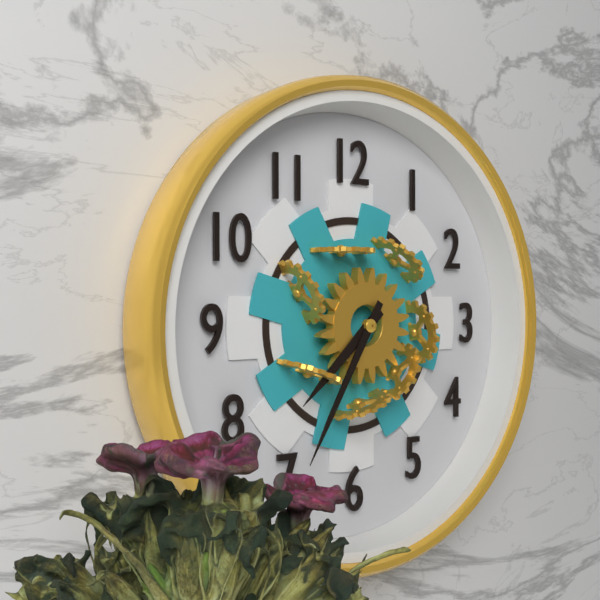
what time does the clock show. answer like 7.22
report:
7.35
